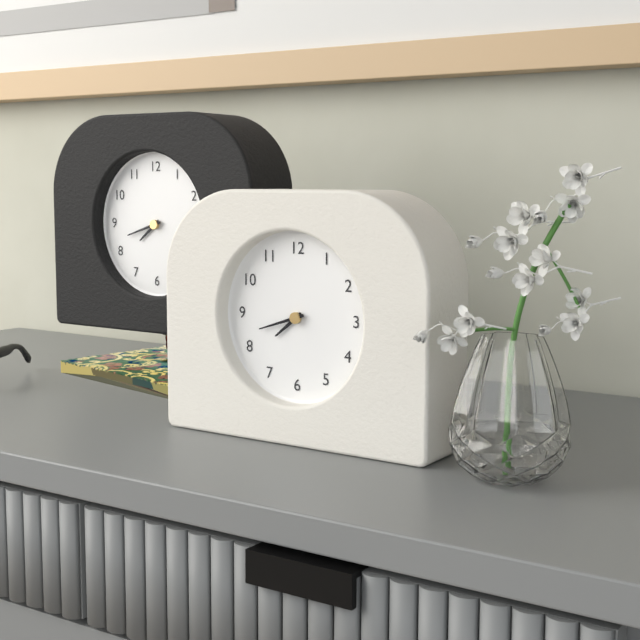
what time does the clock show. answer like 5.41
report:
7.42
